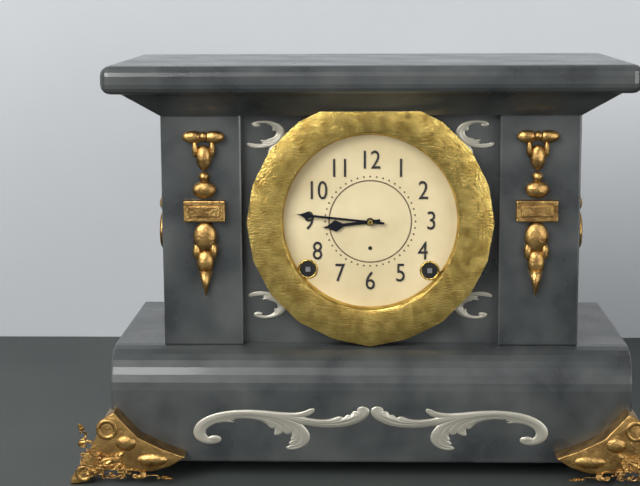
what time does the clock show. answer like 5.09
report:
8.46
